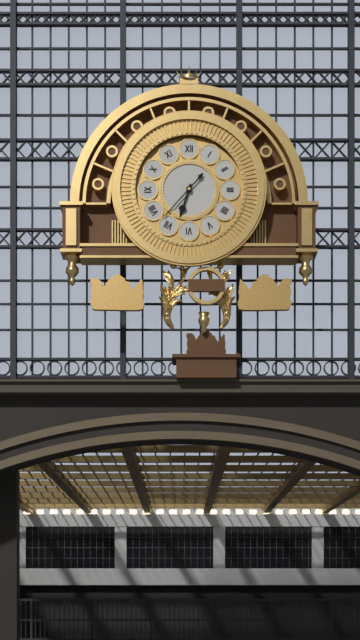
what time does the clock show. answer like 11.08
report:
6.37
